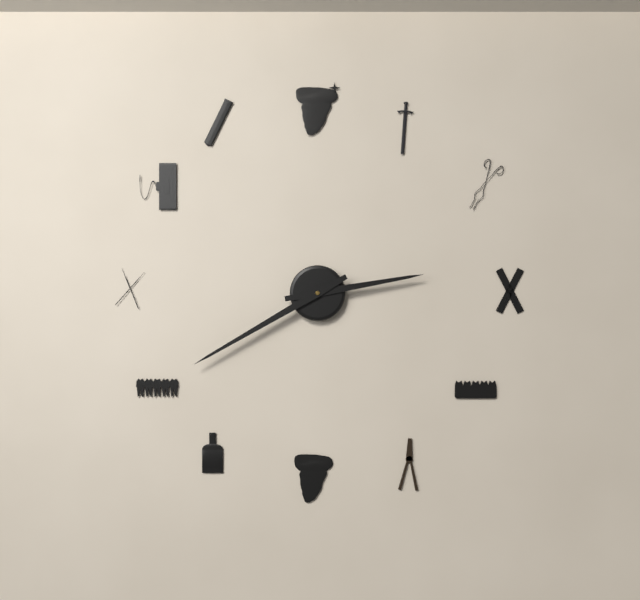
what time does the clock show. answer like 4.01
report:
2.40
